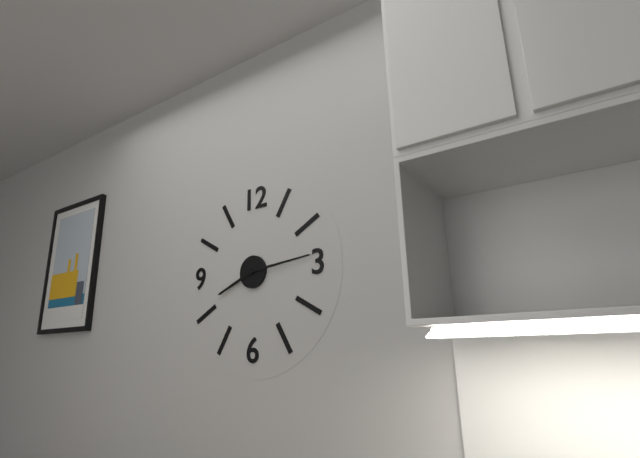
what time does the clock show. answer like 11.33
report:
8.14
